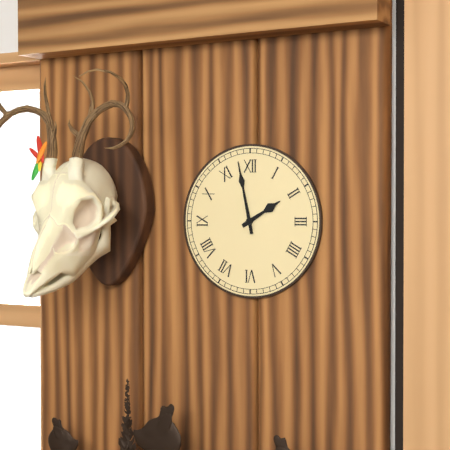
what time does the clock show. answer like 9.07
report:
1.58
